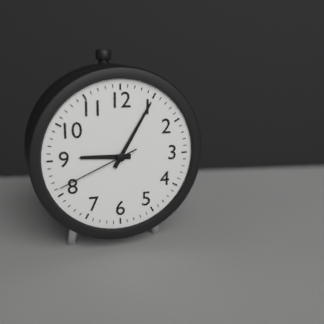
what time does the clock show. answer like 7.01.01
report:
9.05.41
